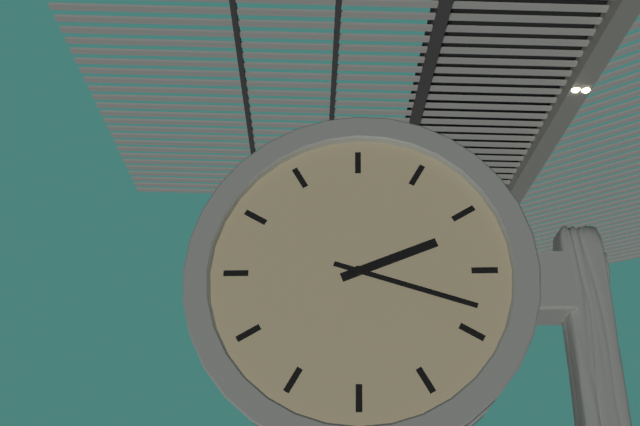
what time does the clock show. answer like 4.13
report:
2.18
